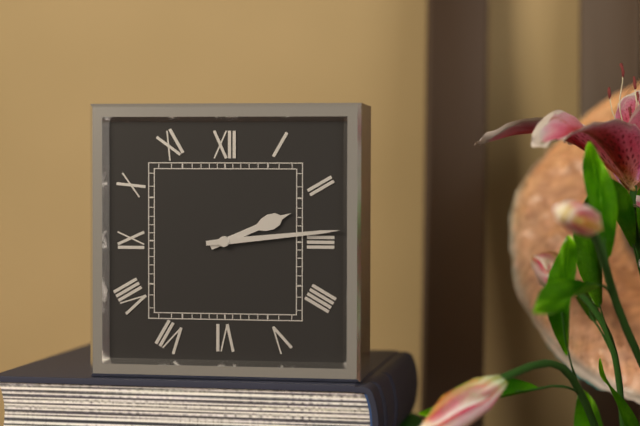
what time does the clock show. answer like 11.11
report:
2.14
